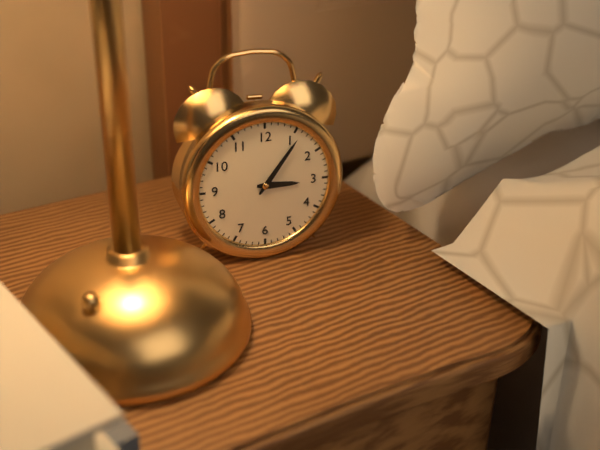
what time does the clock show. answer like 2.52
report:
3.06
